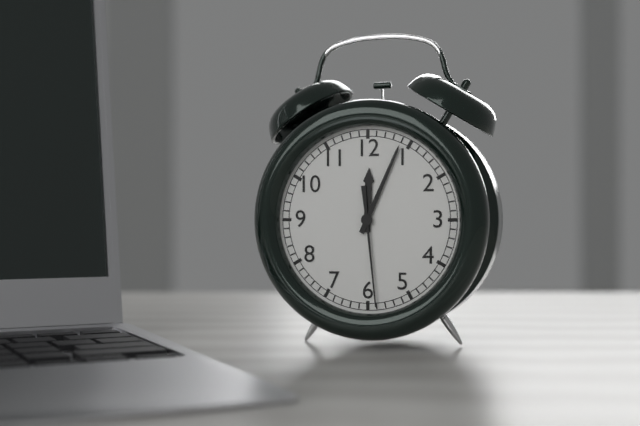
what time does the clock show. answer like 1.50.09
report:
12.04.29
